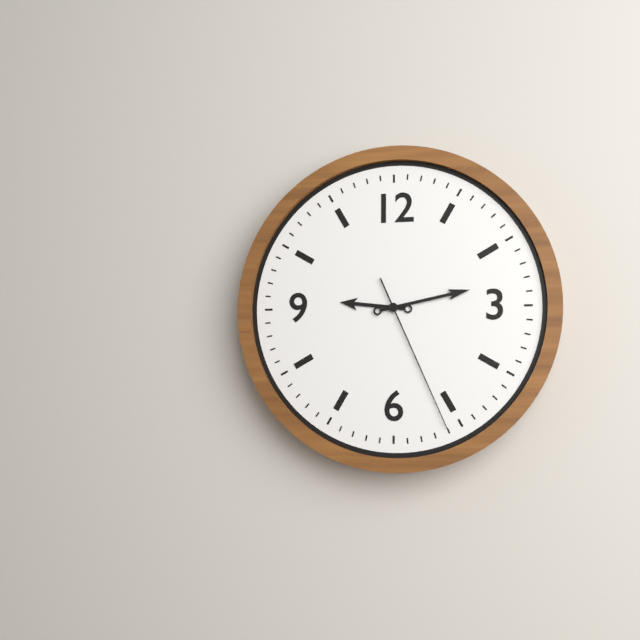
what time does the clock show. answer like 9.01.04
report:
9.13.26
